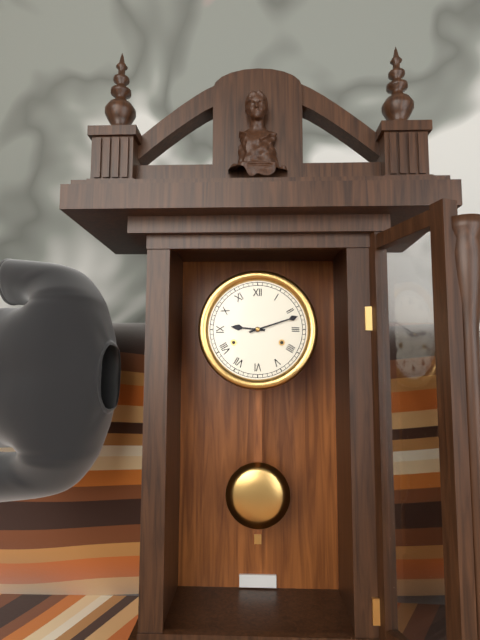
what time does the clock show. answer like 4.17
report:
9.12
